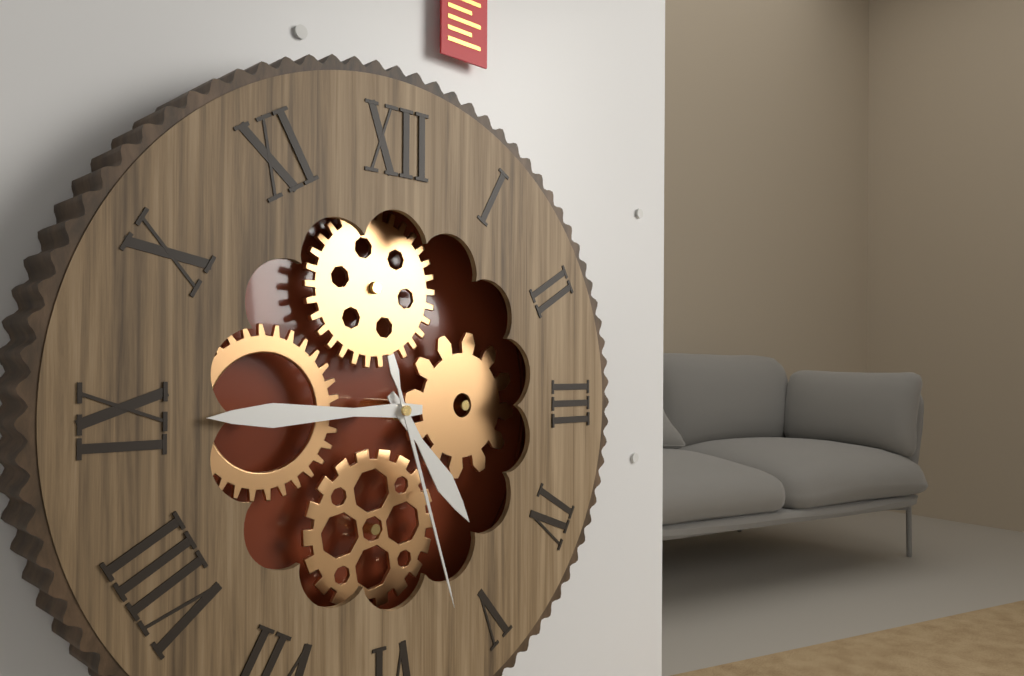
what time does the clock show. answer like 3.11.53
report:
4.45.27
